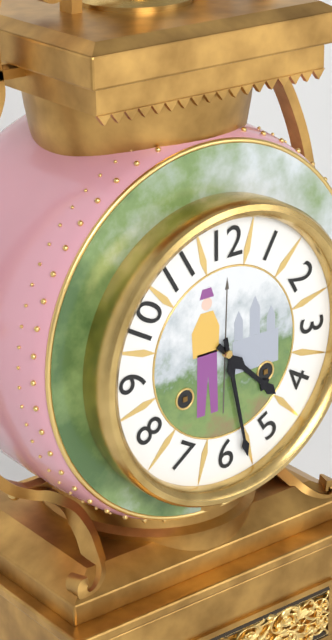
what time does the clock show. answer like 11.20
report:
4.28
